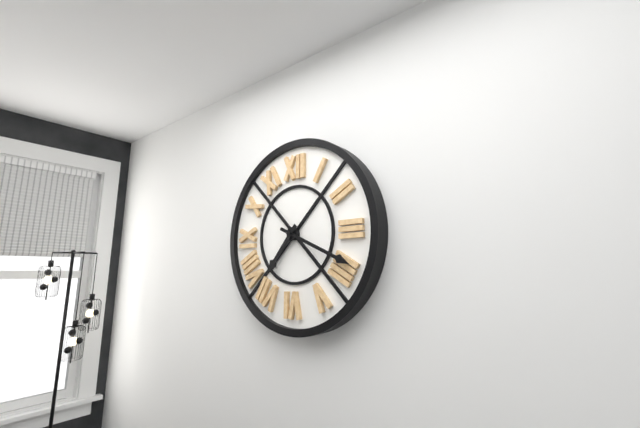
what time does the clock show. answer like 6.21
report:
7.19
